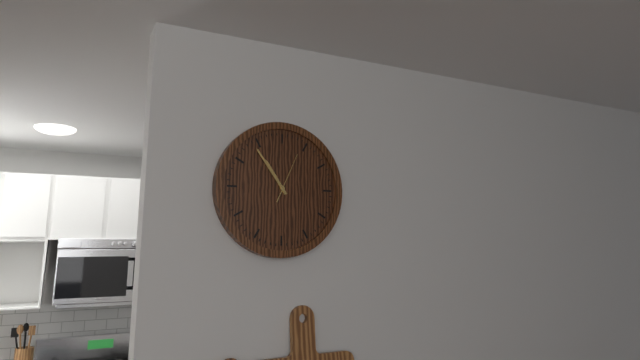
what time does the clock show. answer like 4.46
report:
10.54
